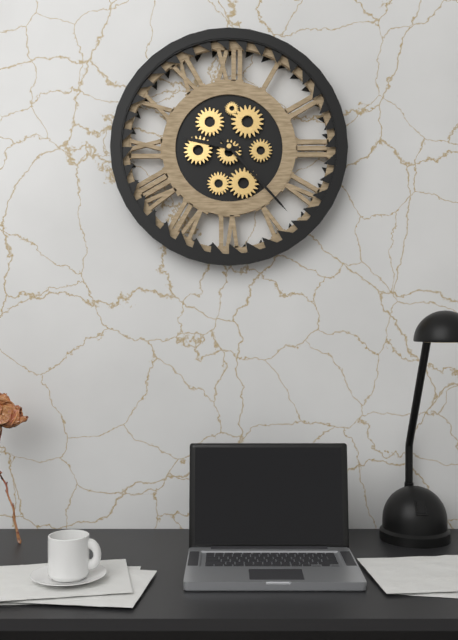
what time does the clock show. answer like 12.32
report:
9.23
